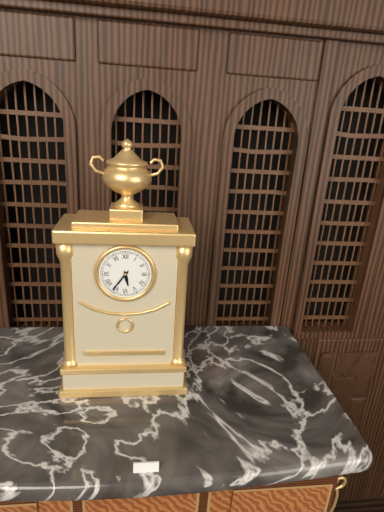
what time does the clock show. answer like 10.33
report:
5.36
